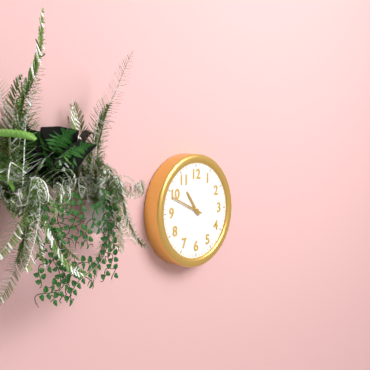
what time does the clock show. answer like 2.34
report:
10.49
